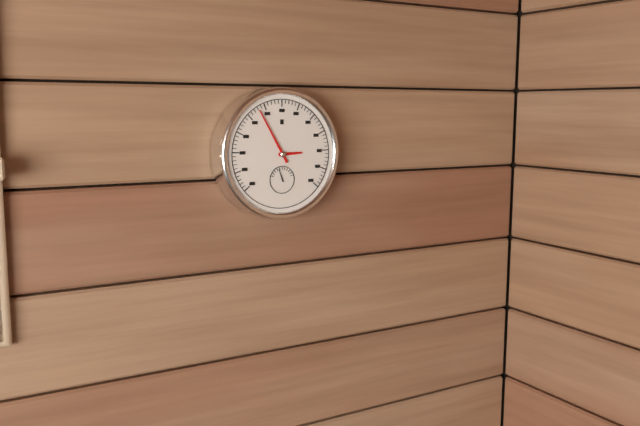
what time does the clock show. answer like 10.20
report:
2.55
